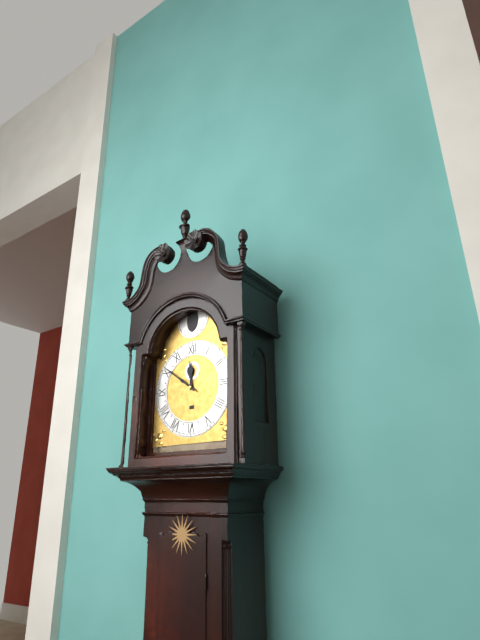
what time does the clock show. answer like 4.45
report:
11.51
